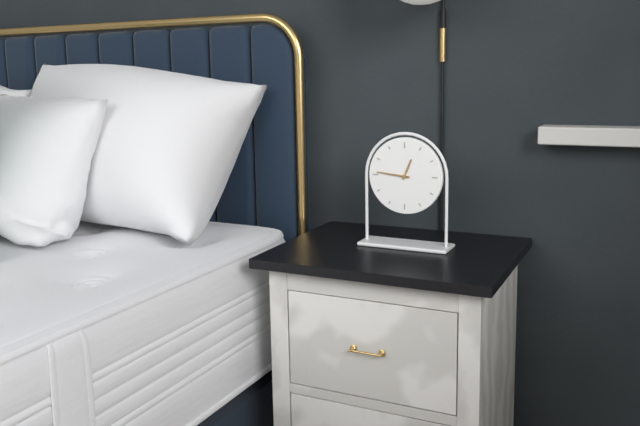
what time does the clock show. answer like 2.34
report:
12.46
